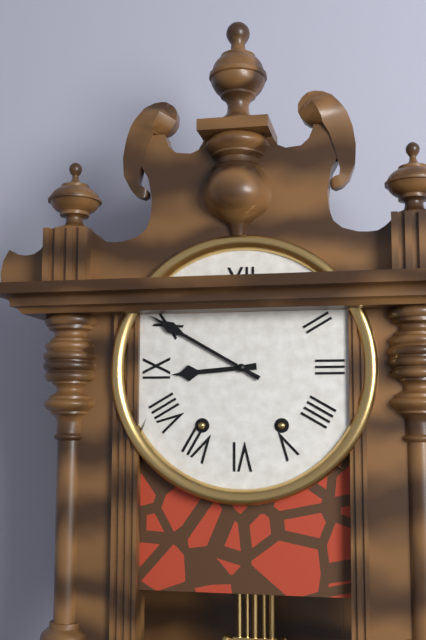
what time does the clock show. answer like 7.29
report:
8.50
